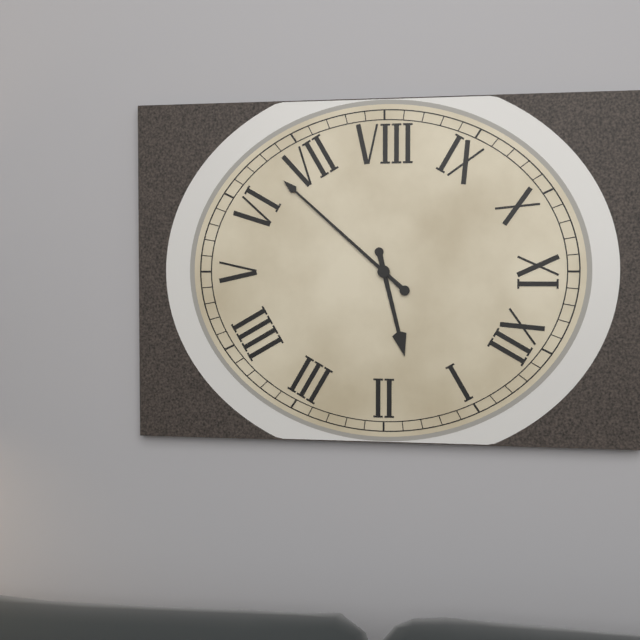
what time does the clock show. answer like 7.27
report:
1.32
